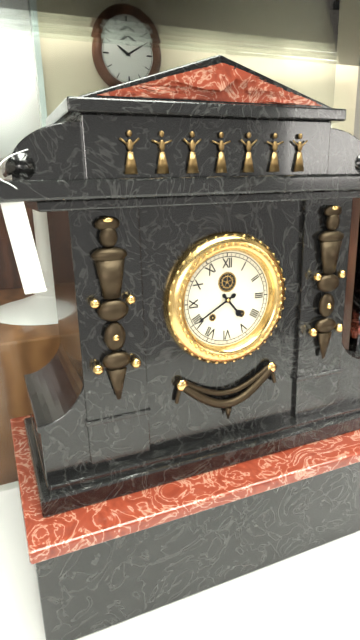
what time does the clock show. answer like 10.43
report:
4.40
